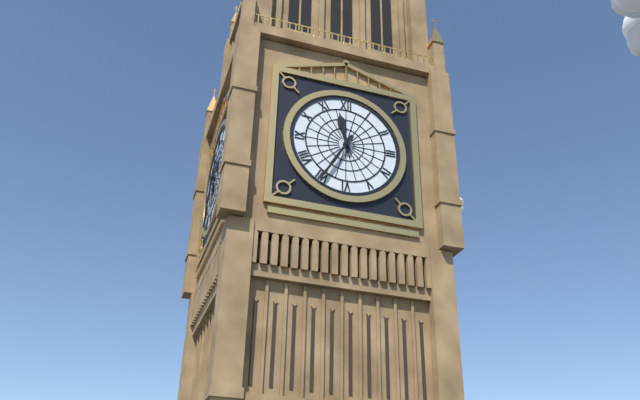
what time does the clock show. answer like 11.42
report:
11.35
